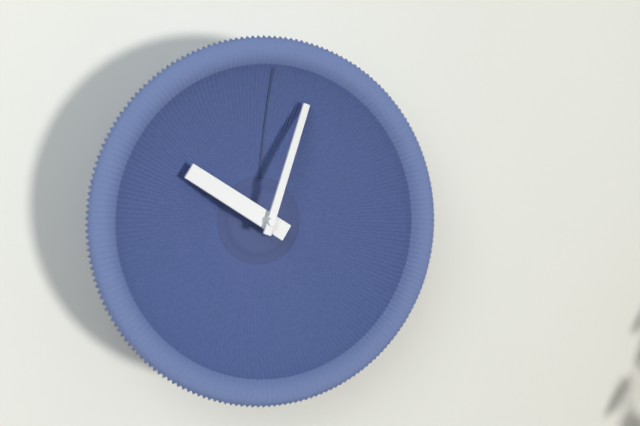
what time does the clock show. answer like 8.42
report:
10.03
